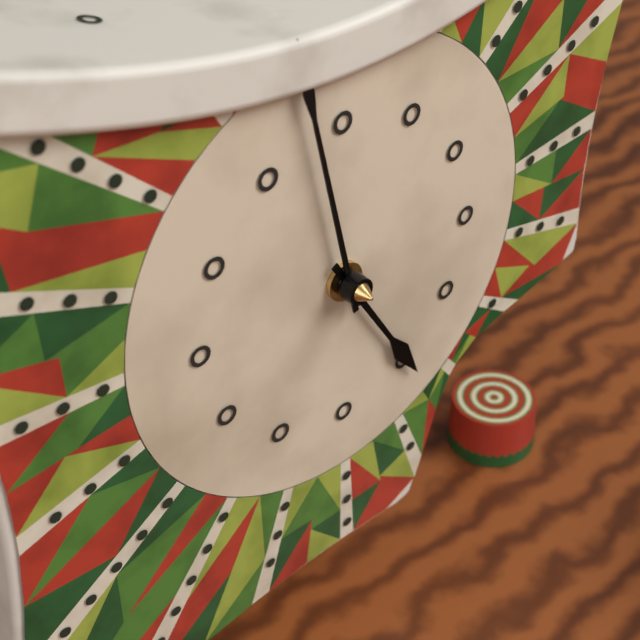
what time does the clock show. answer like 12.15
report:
4.58
